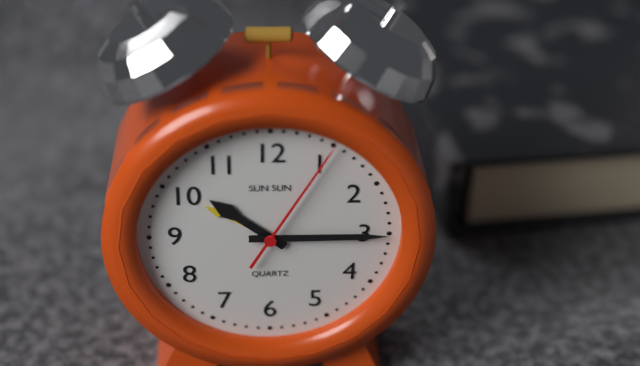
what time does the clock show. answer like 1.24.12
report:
10.15.05
